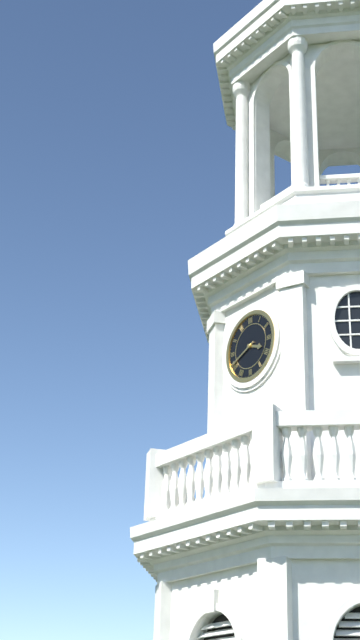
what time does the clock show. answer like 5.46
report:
3.41
